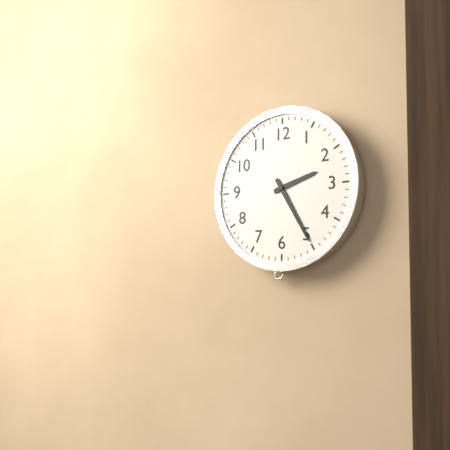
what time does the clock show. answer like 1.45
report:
2.25
